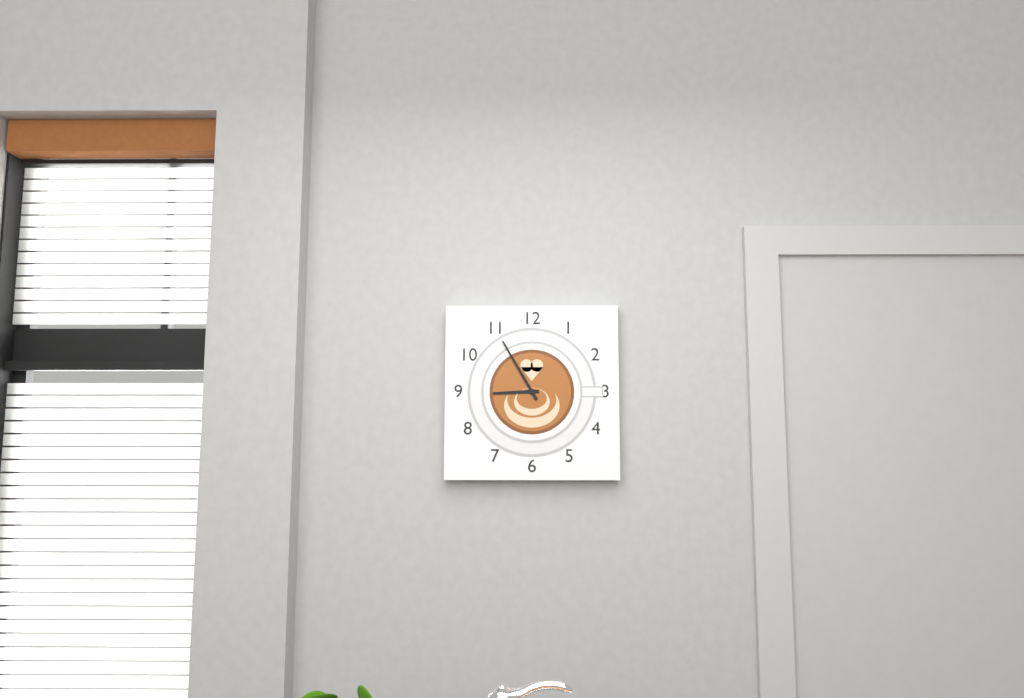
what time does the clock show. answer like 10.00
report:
8.55
